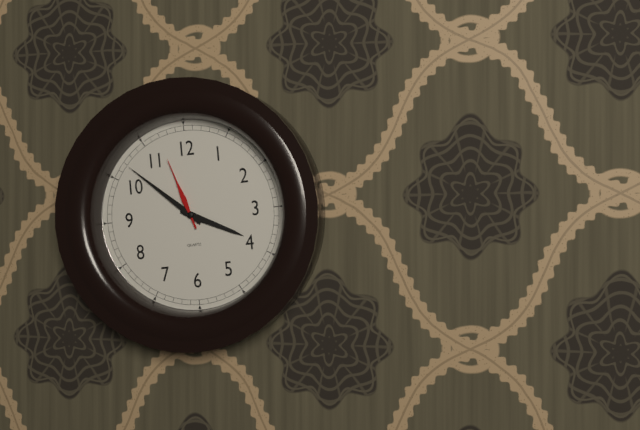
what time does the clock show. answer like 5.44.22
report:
3.52.57
